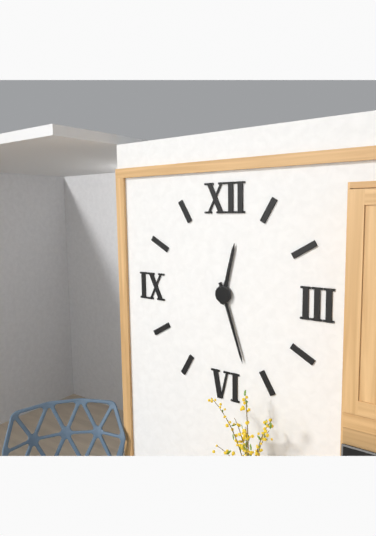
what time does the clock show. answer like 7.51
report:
12.27
